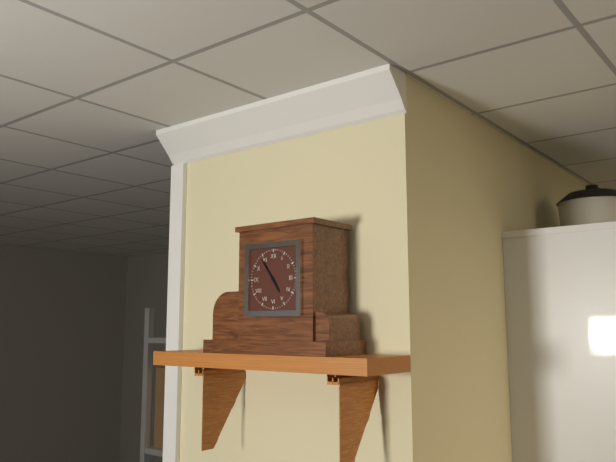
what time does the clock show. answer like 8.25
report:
4.54
